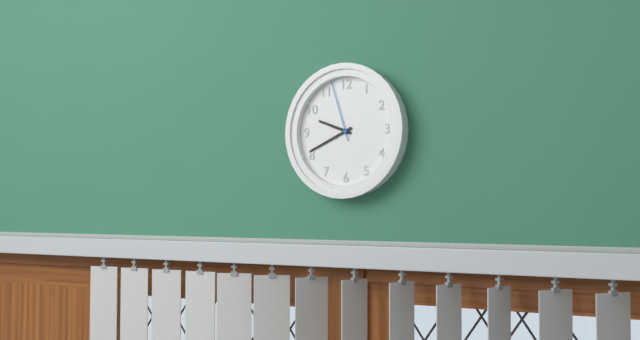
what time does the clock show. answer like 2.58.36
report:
9.41.57
